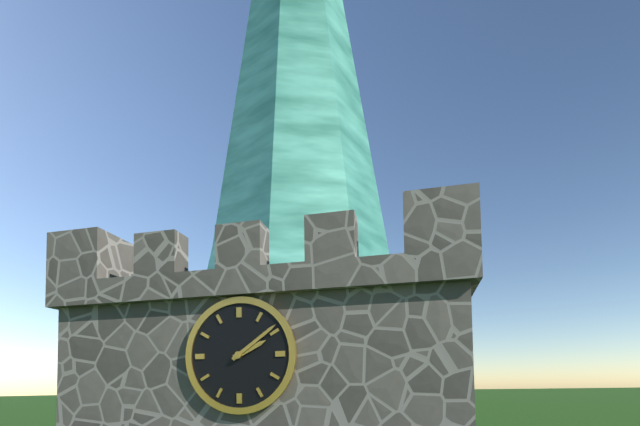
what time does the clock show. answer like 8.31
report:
2.09
